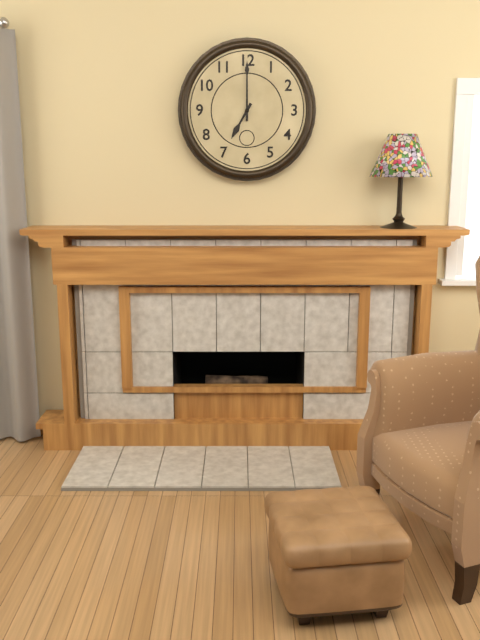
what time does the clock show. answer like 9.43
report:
7.00
